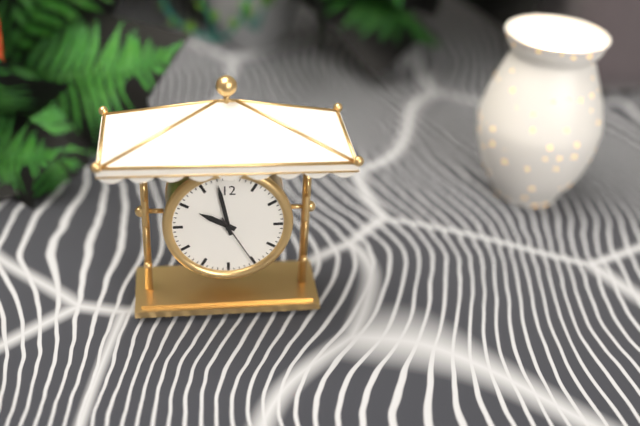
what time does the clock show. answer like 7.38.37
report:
9.58.25
